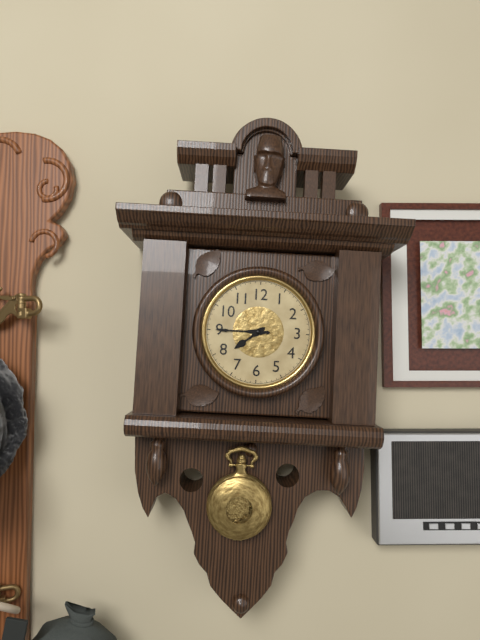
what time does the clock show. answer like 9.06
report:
7.45
